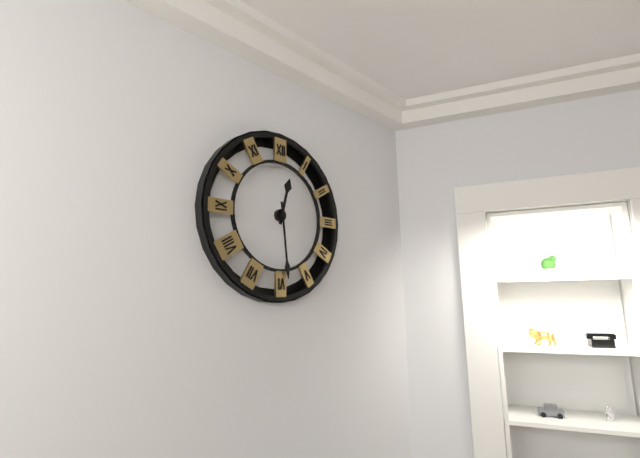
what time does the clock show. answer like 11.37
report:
12.29
